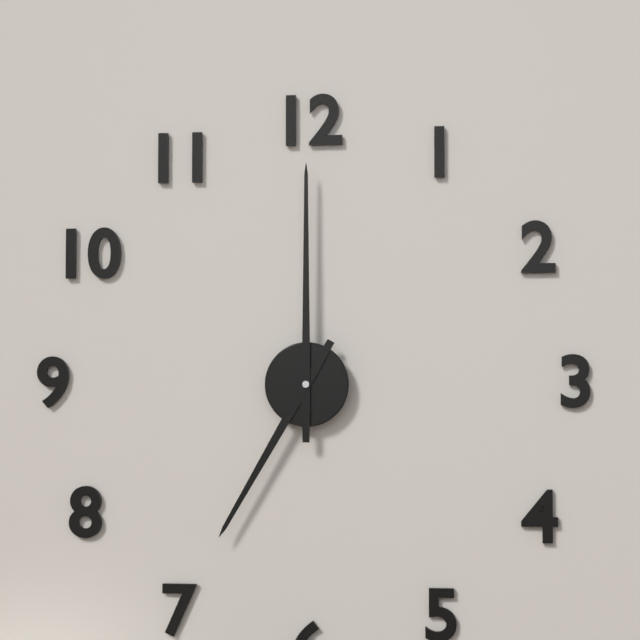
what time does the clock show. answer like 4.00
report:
7.00
